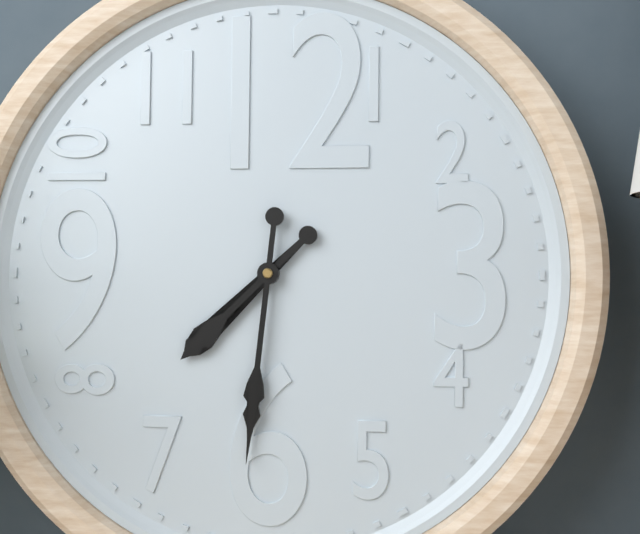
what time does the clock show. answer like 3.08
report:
7.31
